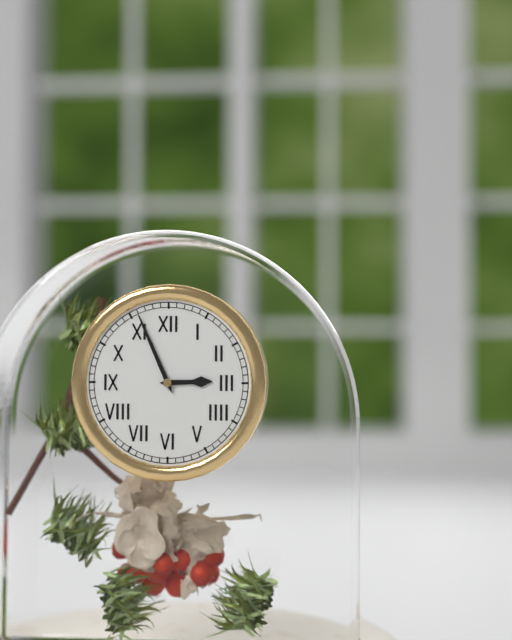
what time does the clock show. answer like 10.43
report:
2.56
